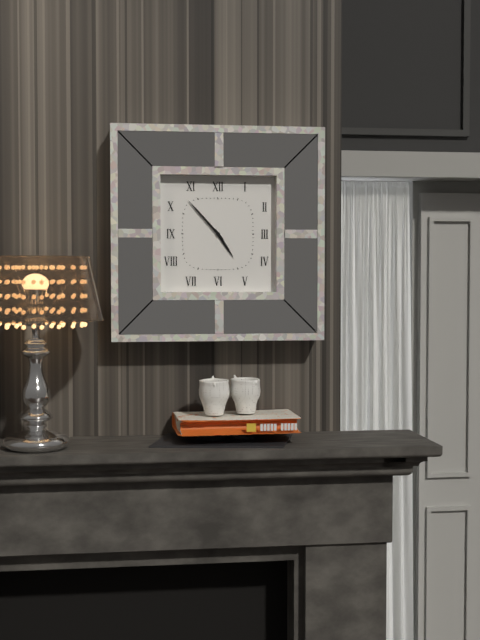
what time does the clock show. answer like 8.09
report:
4.53
